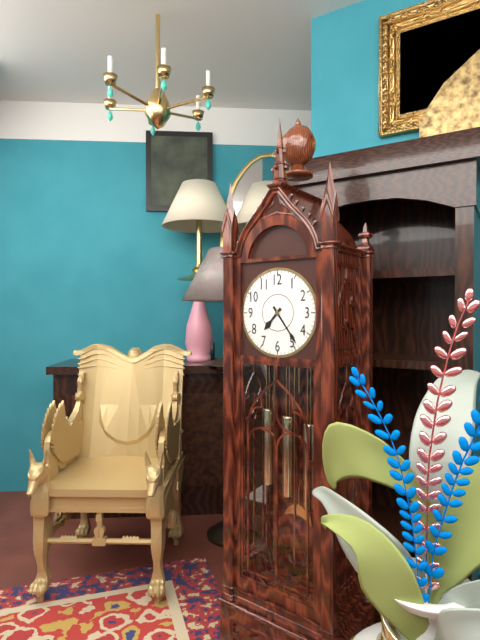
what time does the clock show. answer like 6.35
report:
7.24
